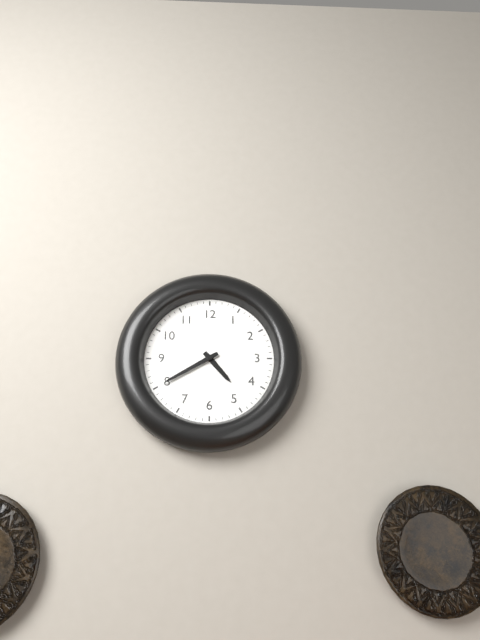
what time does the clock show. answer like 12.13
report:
4.40
